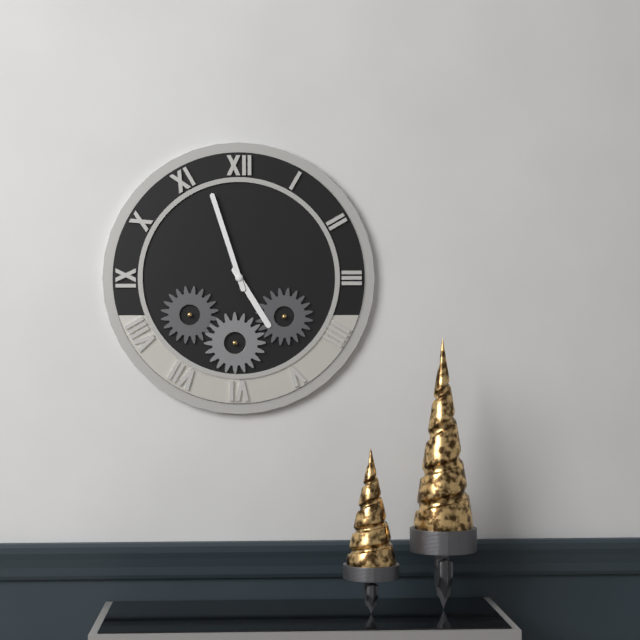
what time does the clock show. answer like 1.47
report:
4.57
